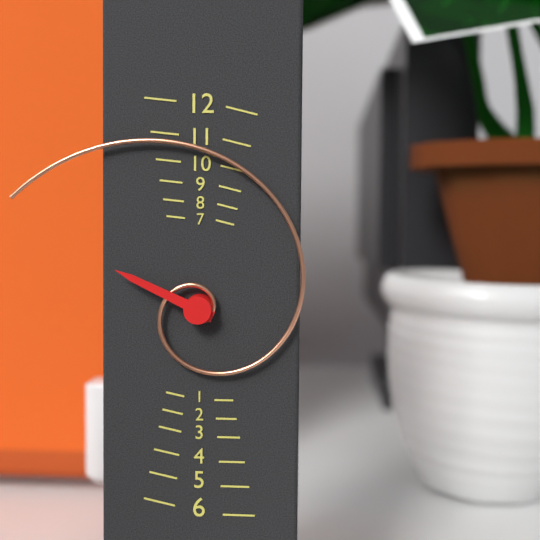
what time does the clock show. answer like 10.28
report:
9.50
